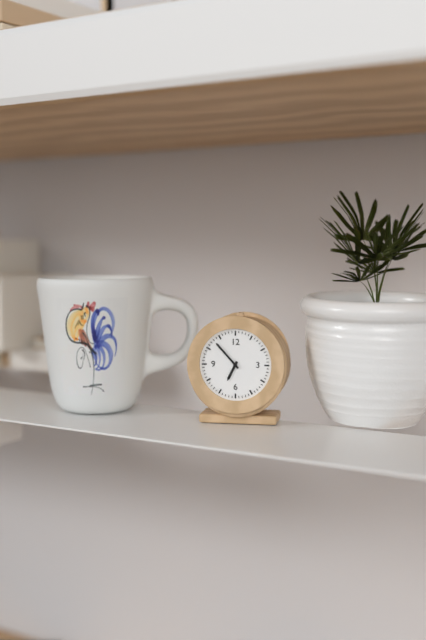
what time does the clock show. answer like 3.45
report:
6.53
